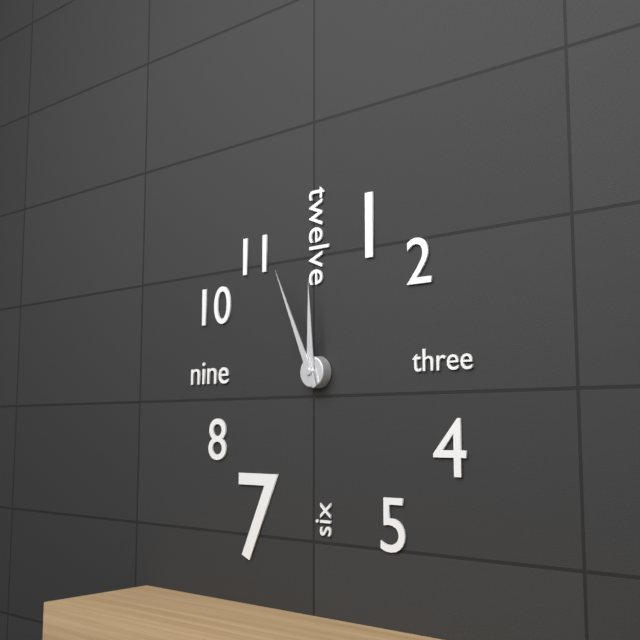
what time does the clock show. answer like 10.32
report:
11.56
